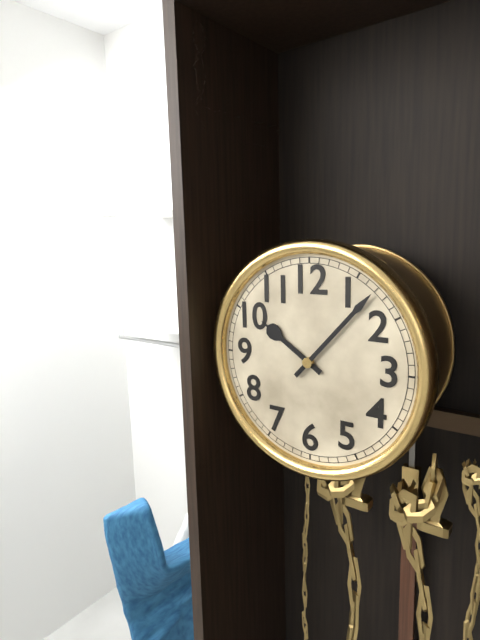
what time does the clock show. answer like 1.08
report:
10.07
